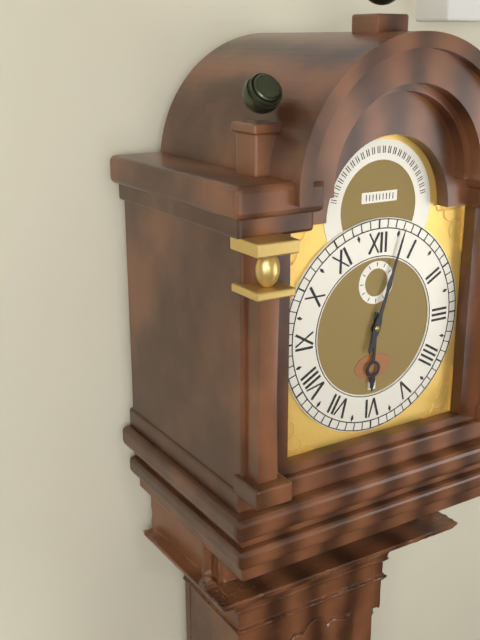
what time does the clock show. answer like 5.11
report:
6.03
